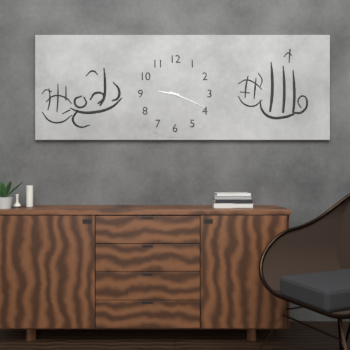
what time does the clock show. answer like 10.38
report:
9.19
